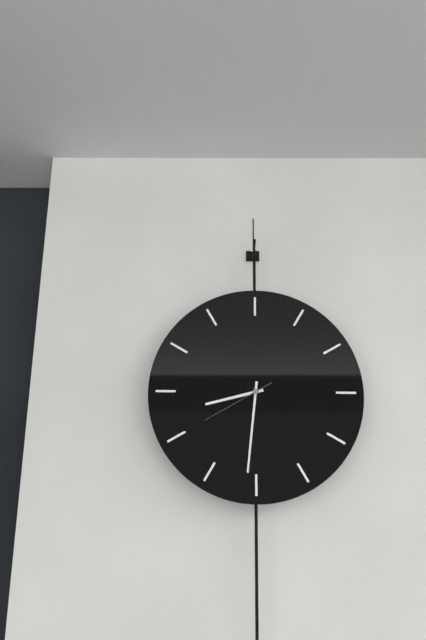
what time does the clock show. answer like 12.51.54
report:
8.31.40
